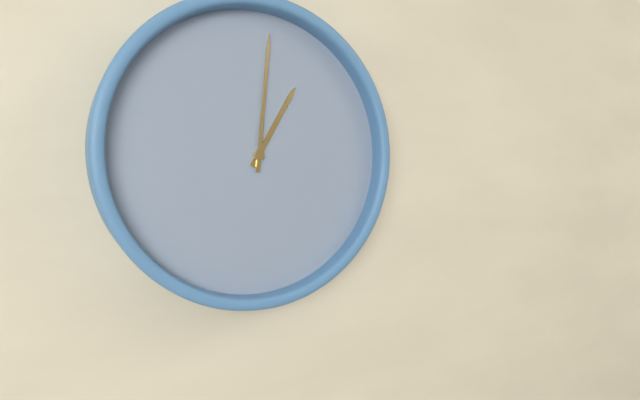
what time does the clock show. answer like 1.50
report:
1.01
